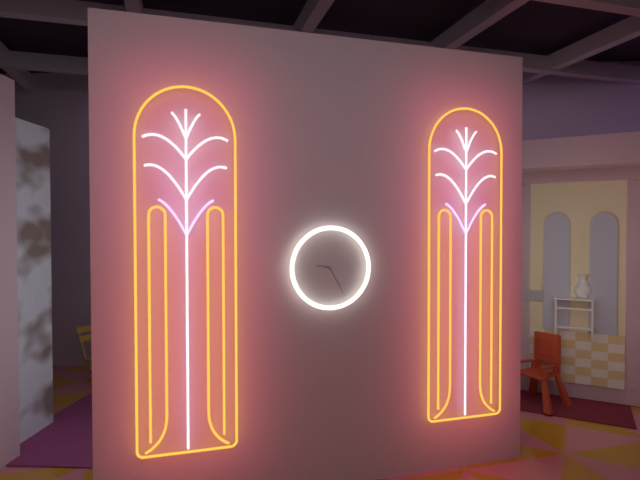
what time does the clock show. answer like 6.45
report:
9.25
